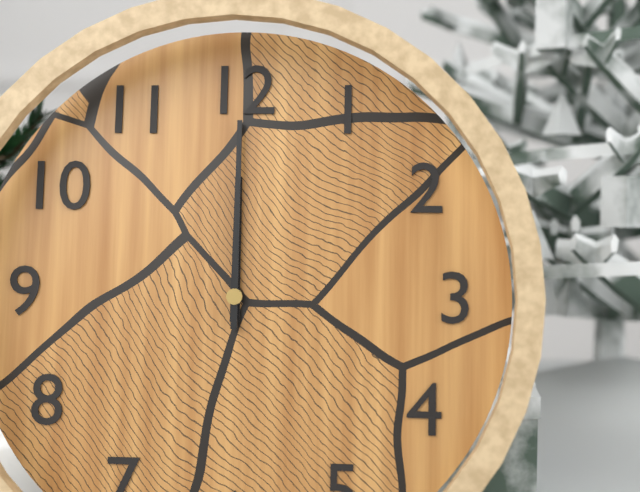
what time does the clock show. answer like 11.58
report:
12.00
